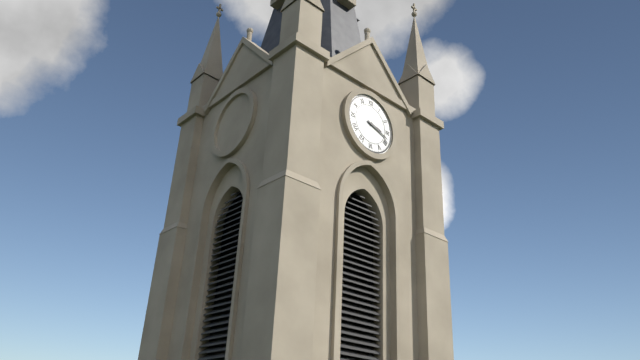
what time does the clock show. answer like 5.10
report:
3.18
